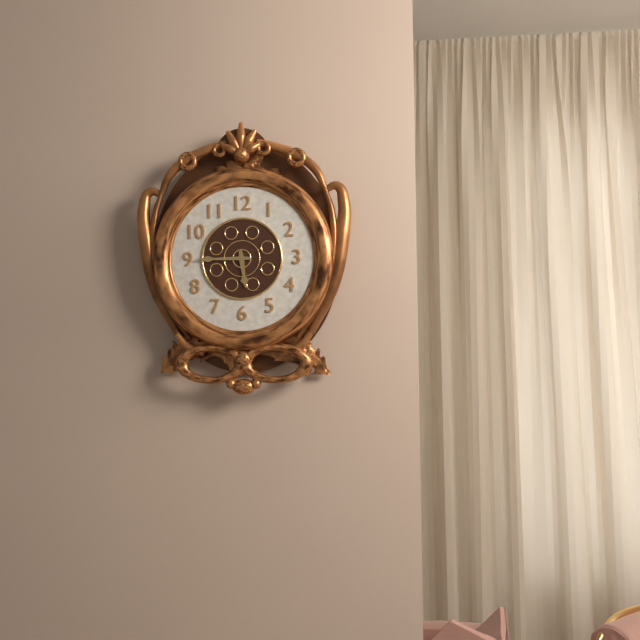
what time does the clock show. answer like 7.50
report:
5.45
